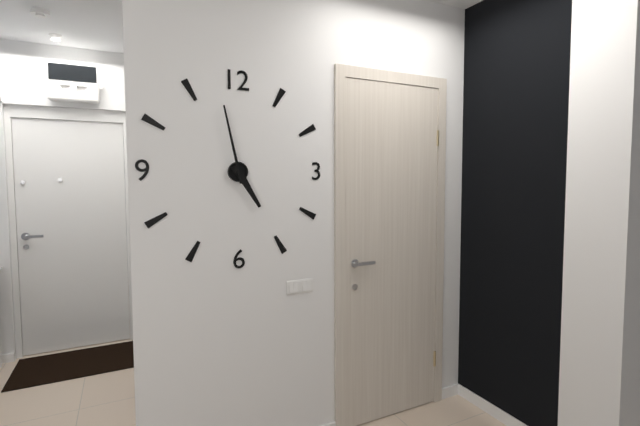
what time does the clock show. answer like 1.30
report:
4.58
